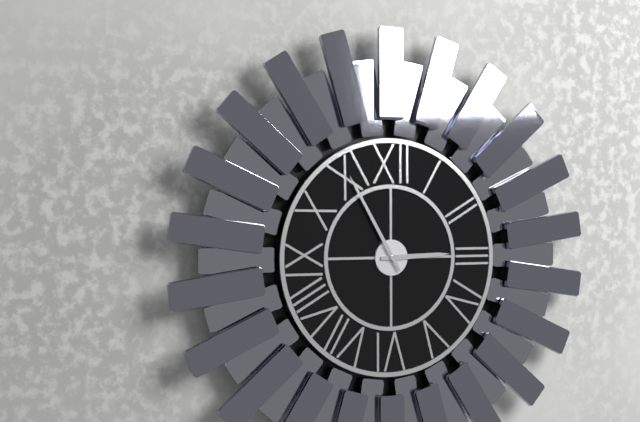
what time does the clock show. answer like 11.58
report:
2.55
